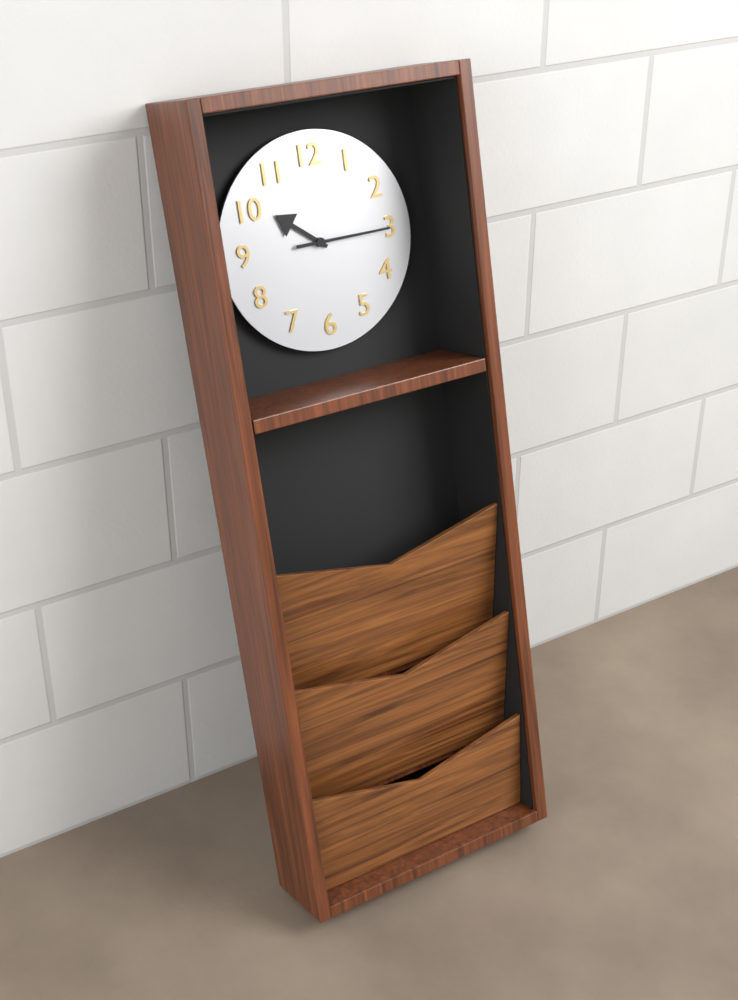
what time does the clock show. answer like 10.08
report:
10.15
